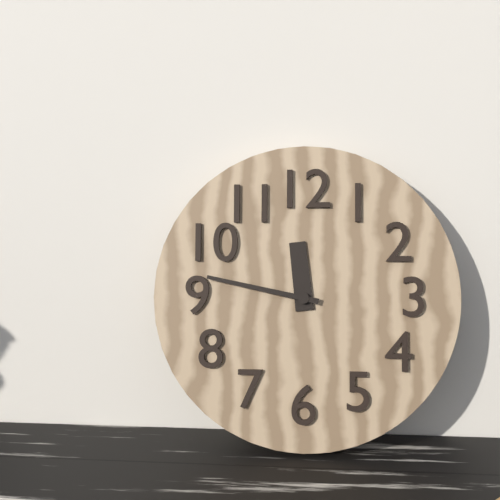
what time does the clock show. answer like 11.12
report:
11.47
